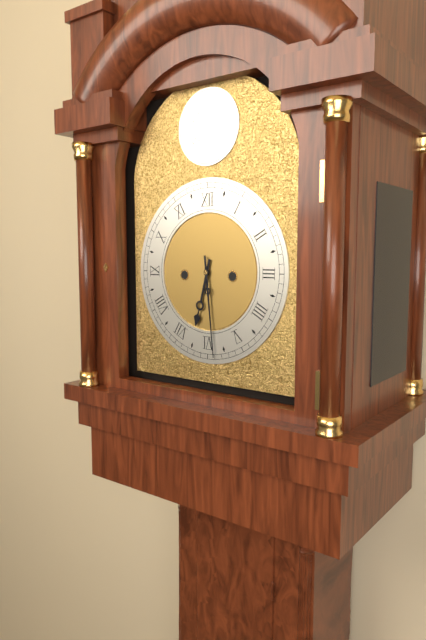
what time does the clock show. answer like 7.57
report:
6.29
